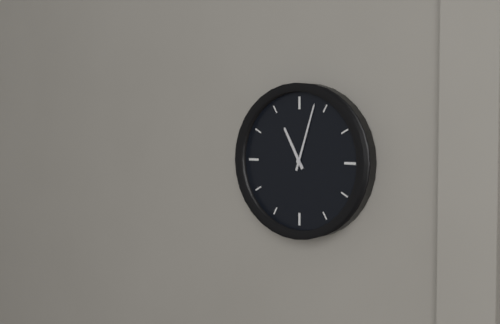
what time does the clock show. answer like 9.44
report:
11.03
